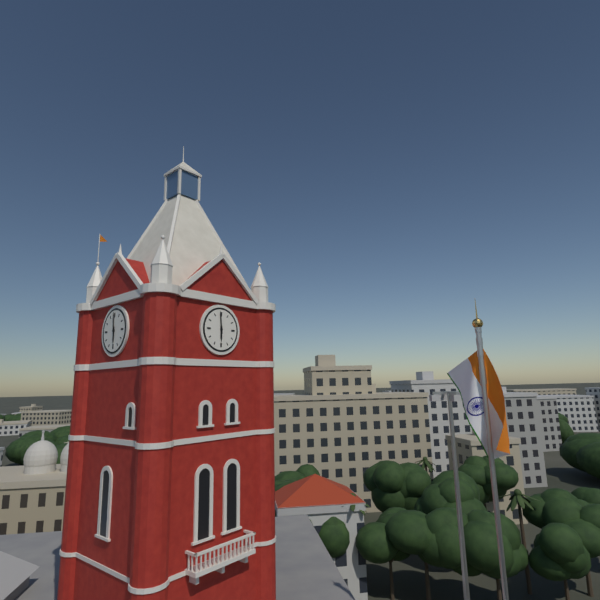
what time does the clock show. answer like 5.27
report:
5.59
